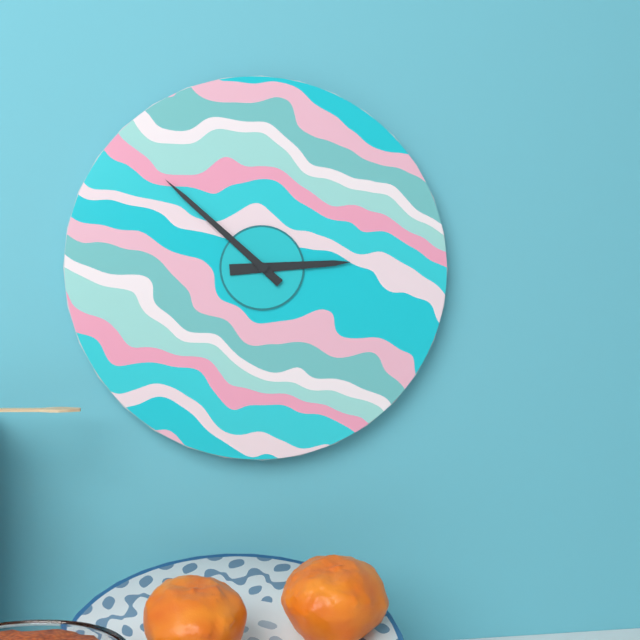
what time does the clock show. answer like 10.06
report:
2.52
